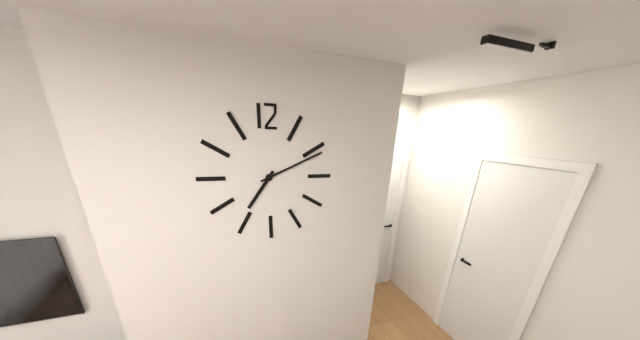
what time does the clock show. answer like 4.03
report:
7.11
